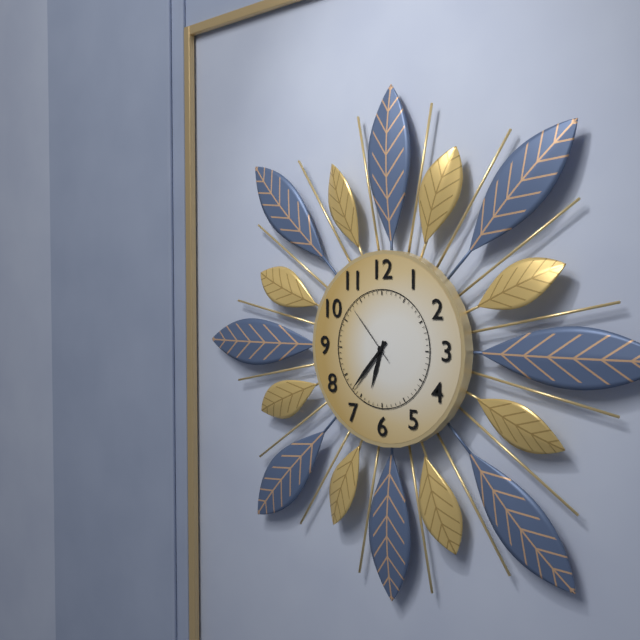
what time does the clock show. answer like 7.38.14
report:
6.37.53
